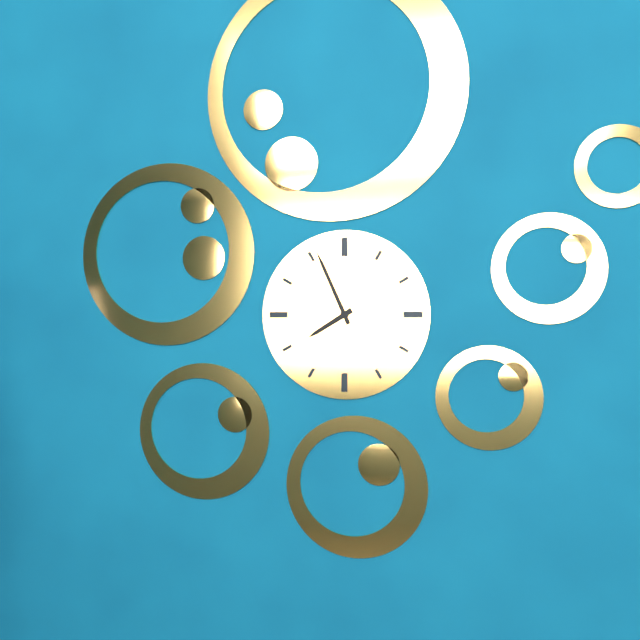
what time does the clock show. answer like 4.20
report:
7.56
